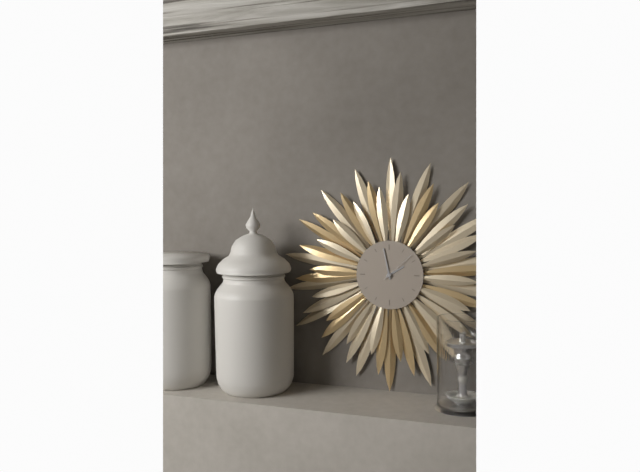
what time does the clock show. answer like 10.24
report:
1.58
